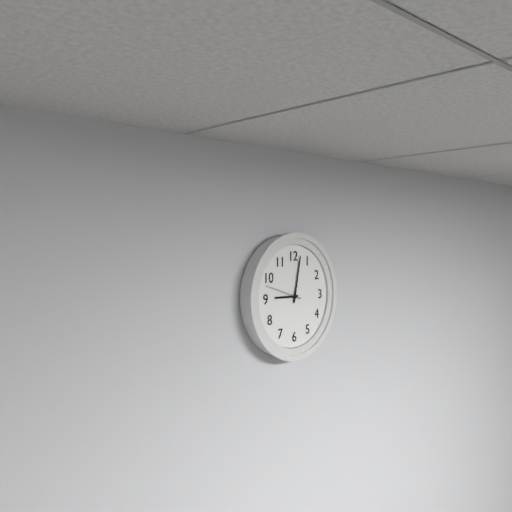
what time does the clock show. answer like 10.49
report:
9.02
